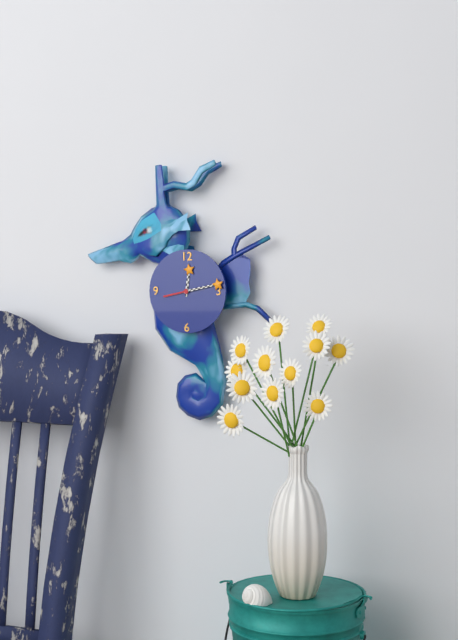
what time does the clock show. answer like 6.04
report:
12.13
